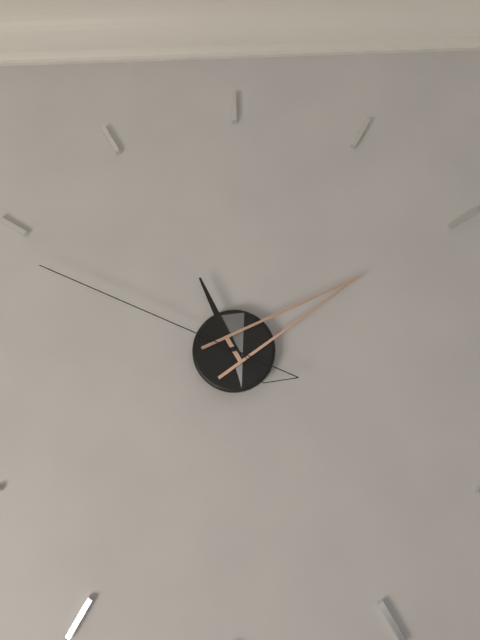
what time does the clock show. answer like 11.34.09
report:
11.10.49
